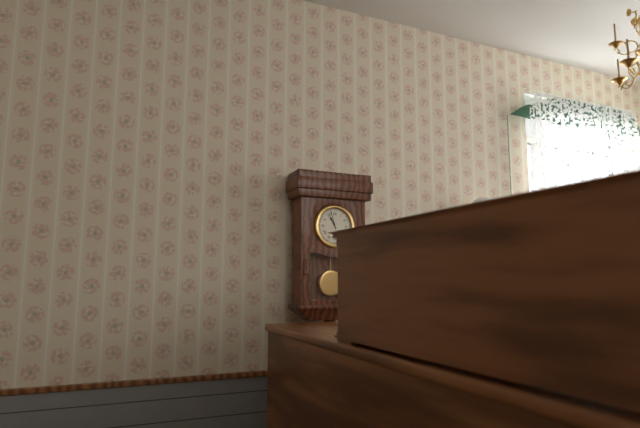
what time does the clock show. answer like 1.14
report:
10.57
